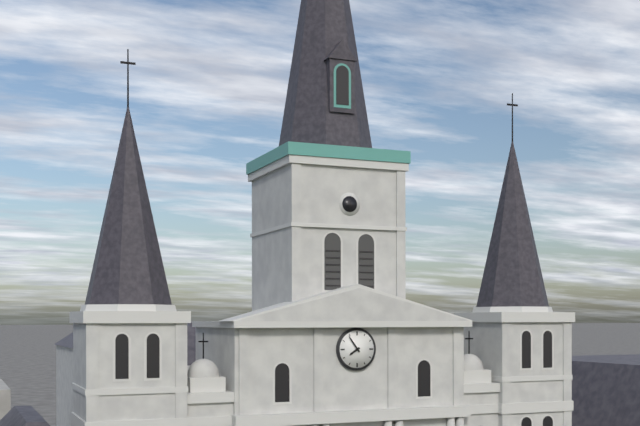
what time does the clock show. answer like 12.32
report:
7.54
